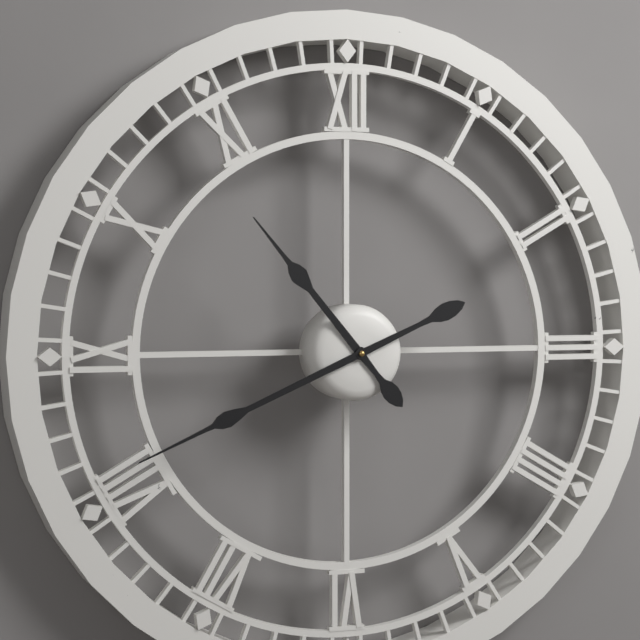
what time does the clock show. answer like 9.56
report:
10.41
